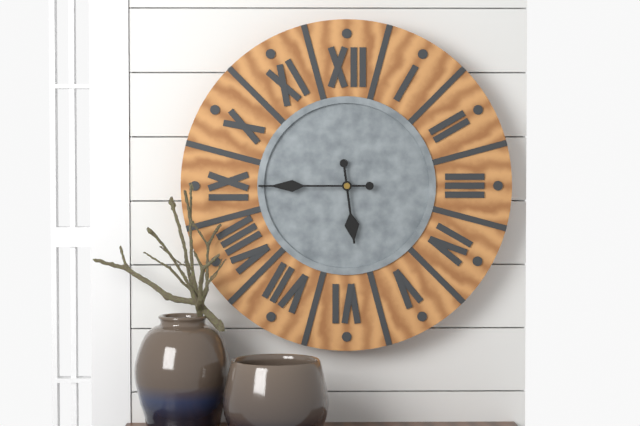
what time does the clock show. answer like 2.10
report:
5.45
